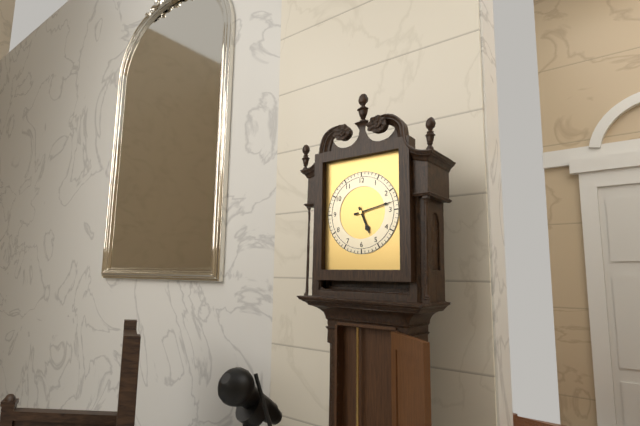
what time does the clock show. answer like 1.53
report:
5.13
